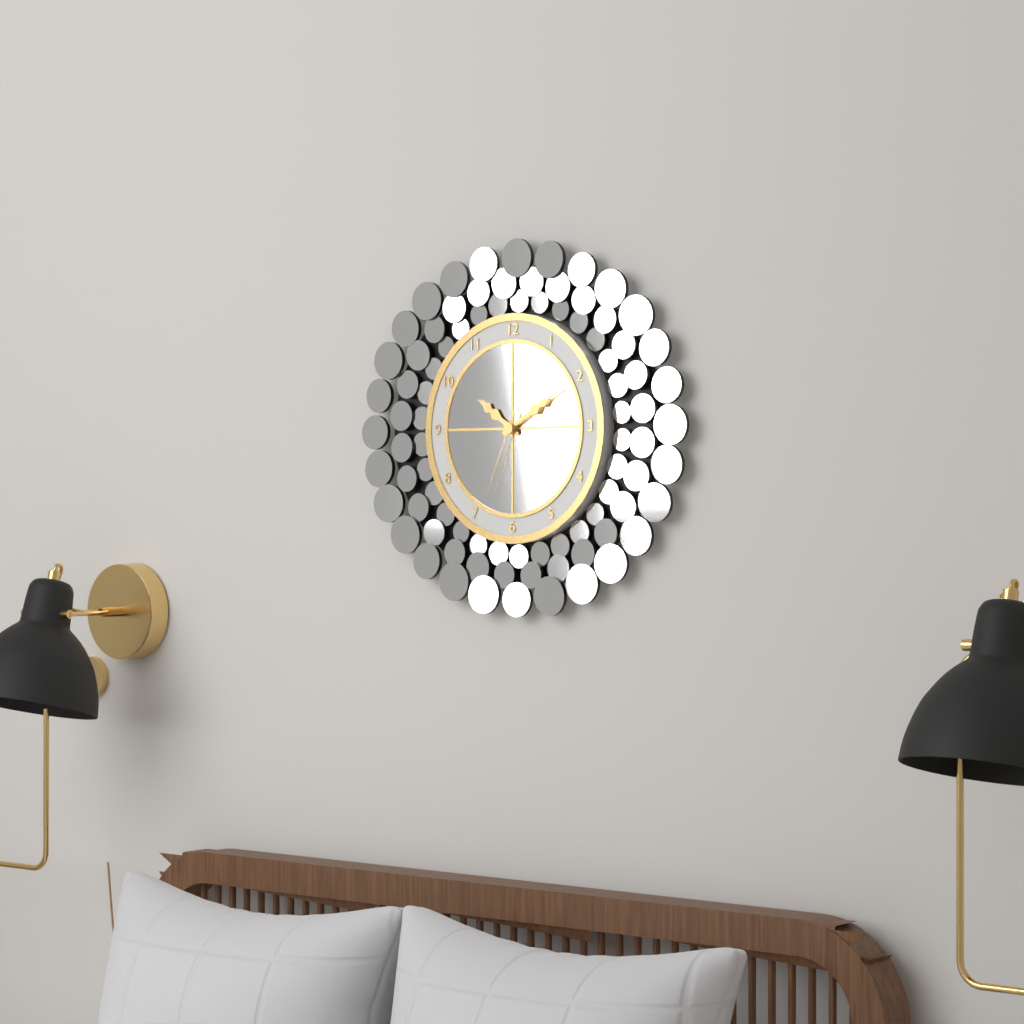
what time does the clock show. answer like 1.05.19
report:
10.10.34
